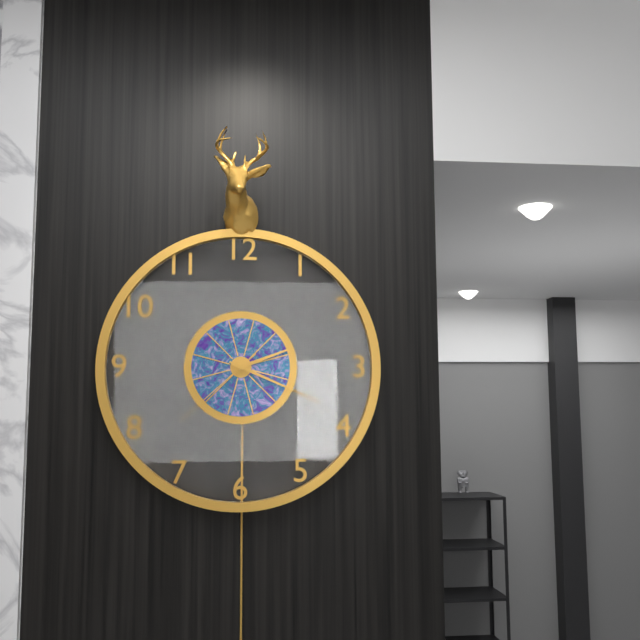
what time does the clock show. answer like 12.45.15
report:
2.19.38
